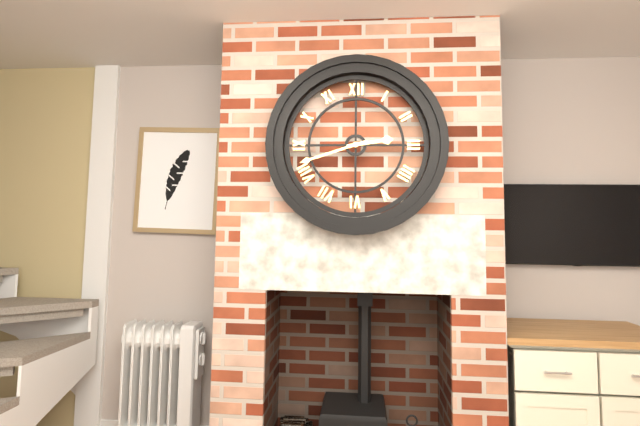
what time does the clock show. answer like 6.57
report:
2.42
